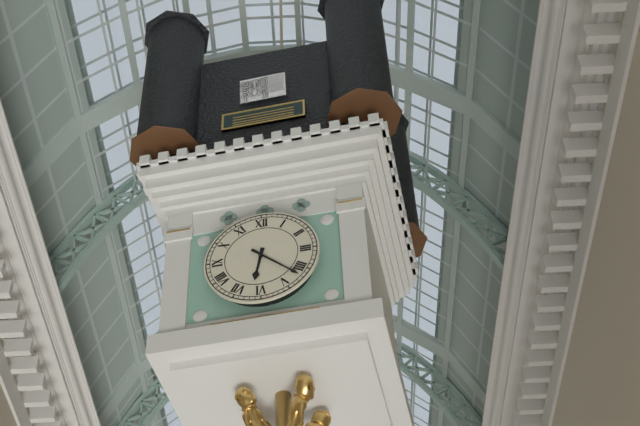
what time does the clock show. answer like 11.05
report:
6.22
